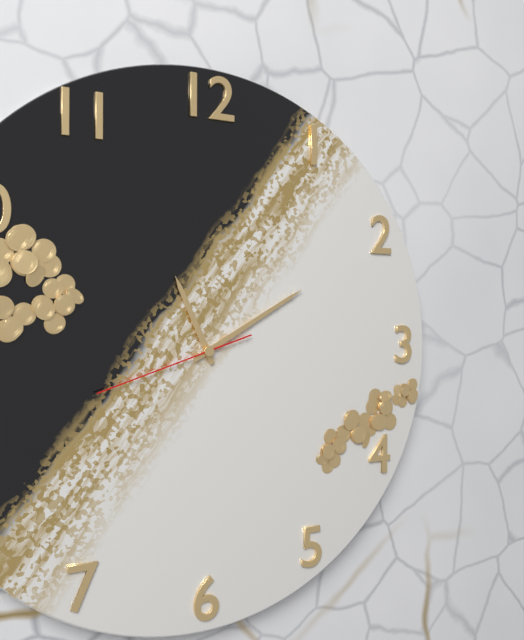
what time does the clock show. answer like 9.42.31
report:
11.10.42
